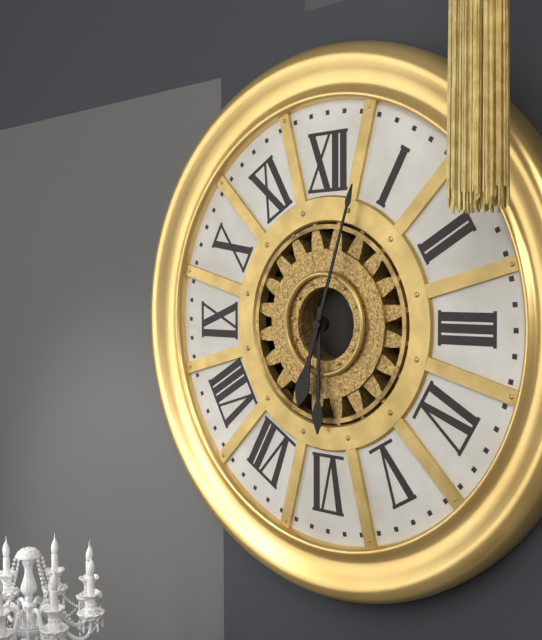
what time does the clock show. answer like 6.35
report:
6.03
